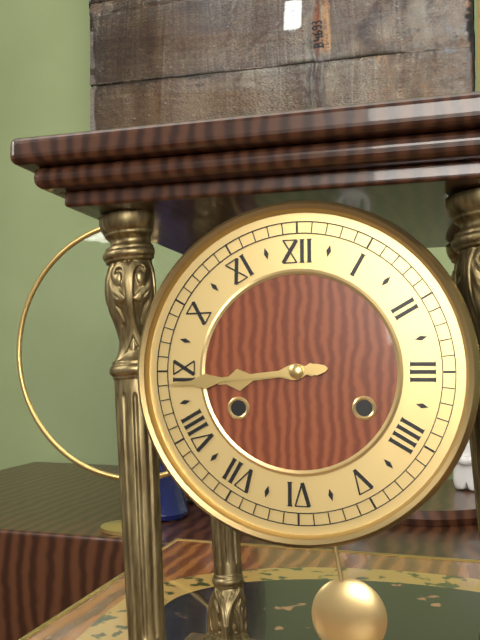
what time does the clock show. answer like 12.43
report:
8.44
